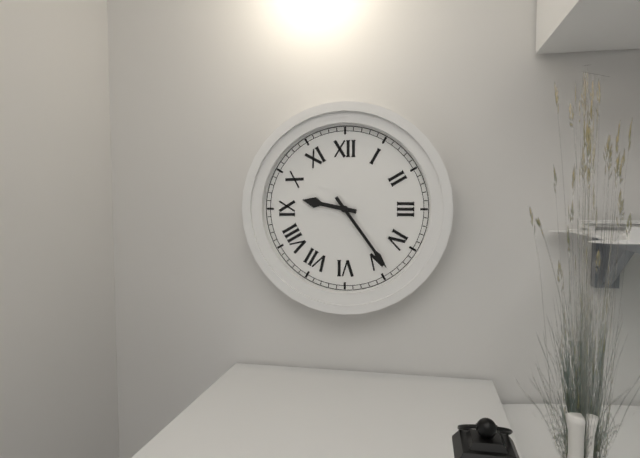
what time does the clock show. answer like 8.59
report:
9.24
